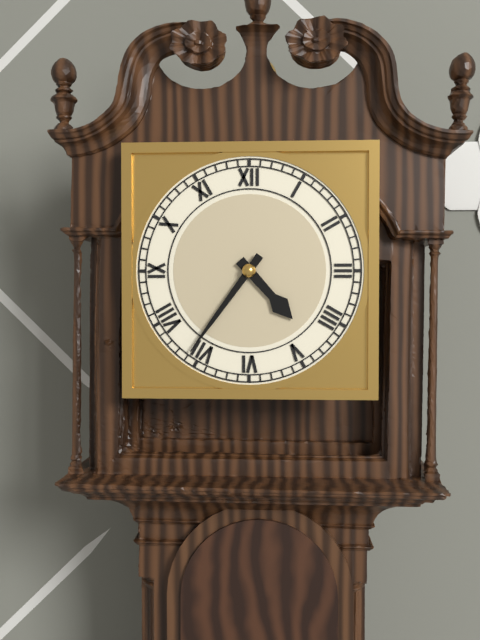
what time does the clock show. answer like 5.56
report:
4.36
